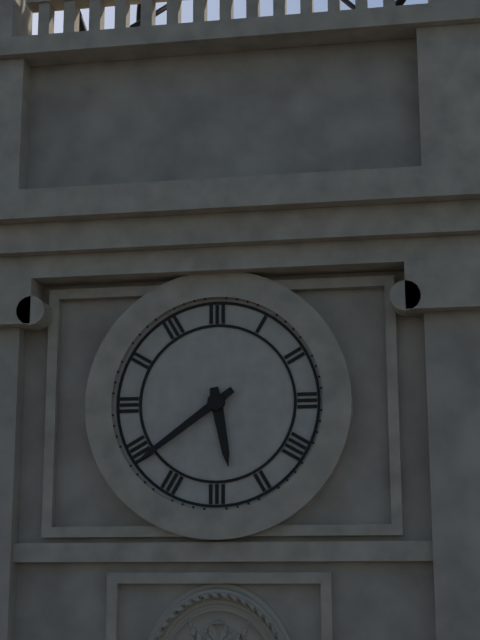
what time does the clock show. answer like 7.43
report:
5.39
